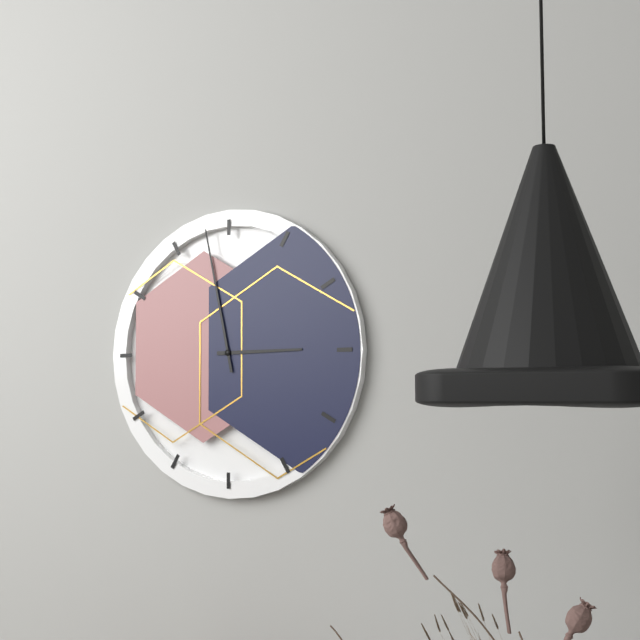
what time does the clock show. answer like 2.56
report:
2.58
